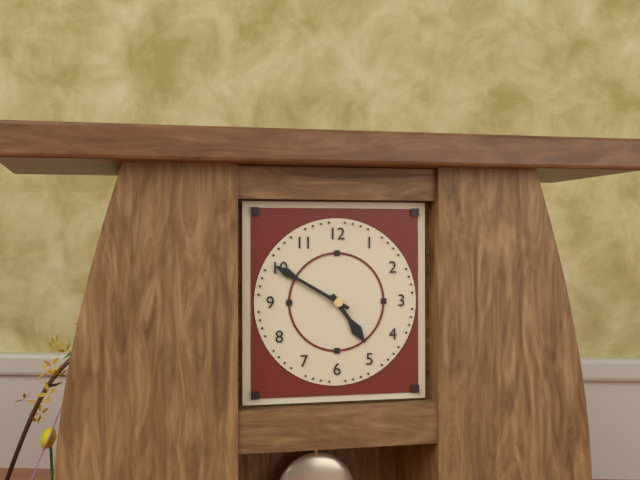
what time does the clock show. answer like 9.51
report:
4.50
